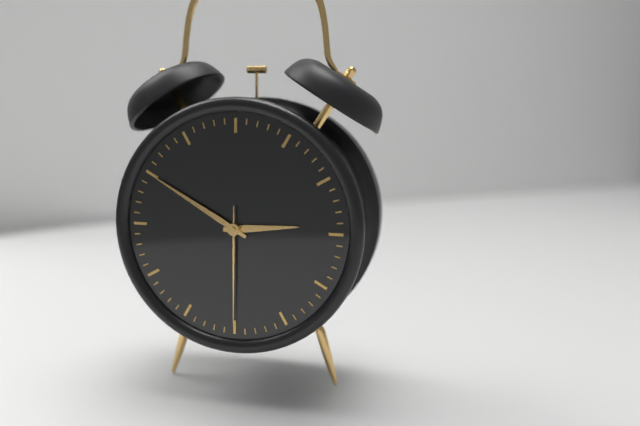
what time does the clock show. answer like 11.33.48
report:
2.50.30
